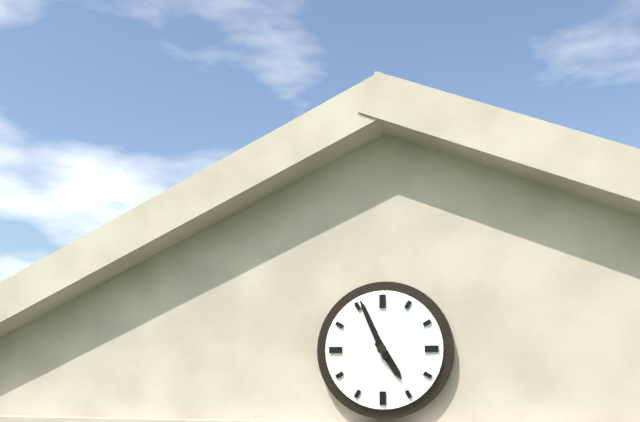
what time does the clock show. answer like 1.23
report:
4.56
